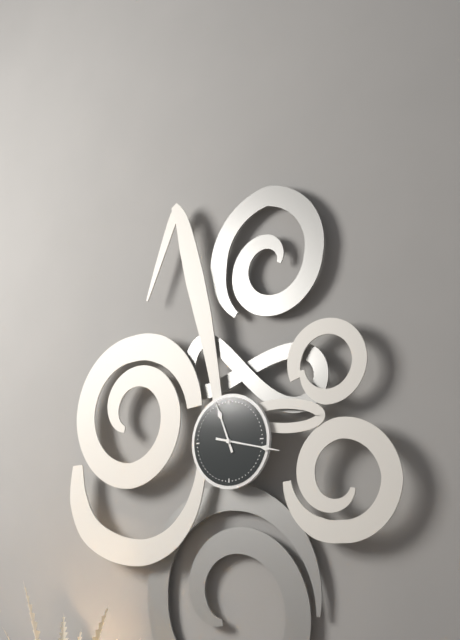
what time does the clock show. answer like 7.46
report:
11.17
